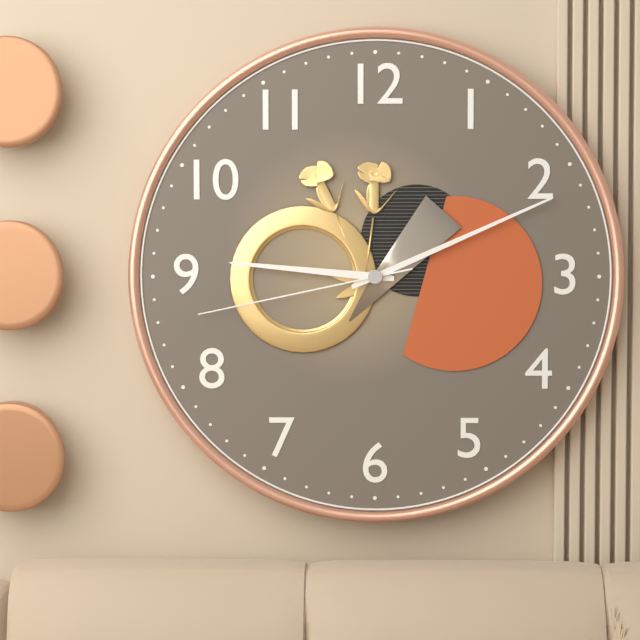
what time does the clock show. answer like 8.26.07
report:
9.11.43
